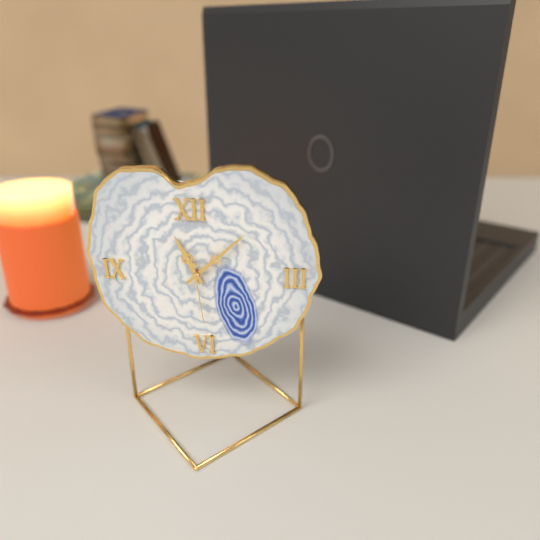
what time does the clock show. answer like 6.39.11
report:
11.08.29
